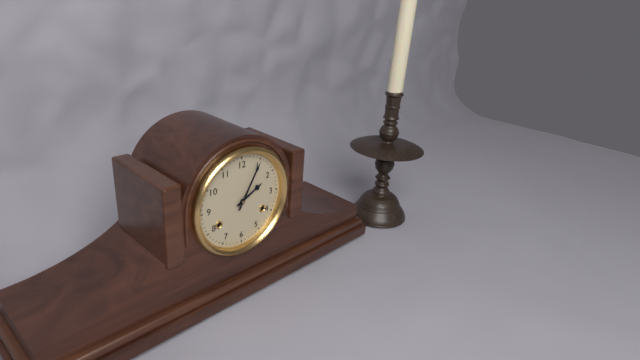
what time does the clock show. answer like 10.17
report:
2.05
